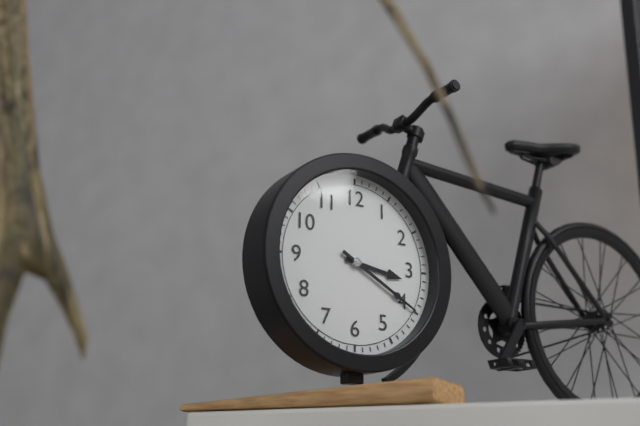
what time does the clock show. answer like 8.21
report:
3.20
